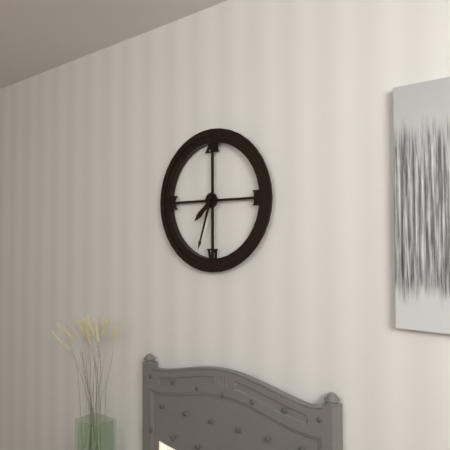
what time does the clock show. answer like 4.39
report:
7.33
